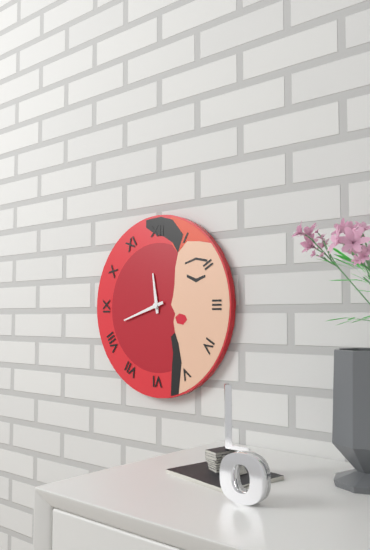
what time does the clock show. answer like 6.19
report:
11.42
